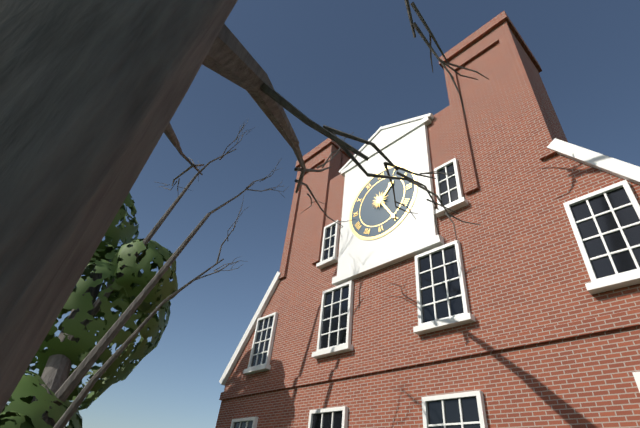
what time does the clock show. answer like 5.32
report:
1.25
